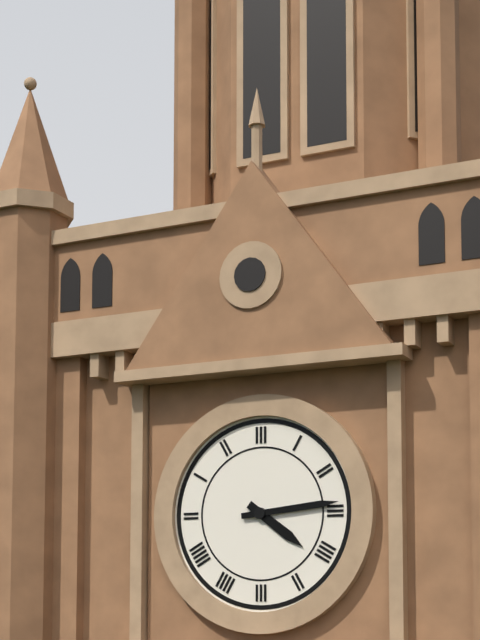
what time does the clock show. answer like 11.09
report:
4.14
